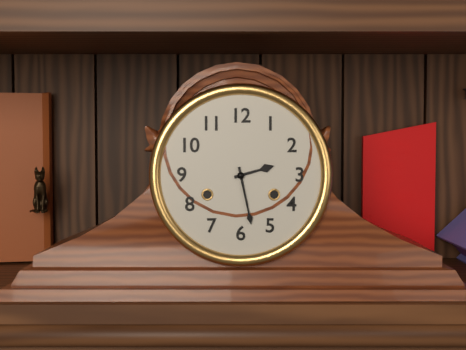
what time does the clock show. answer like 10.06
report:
2.28
